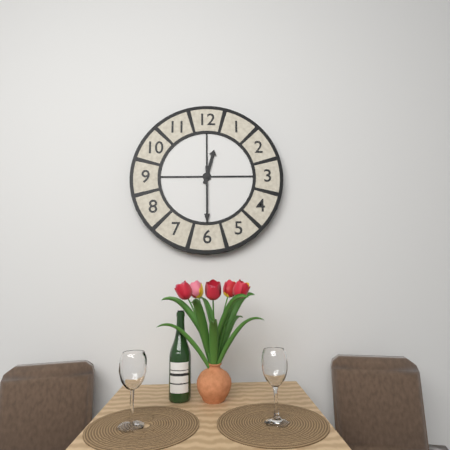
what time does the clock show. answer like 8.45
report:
12.30
